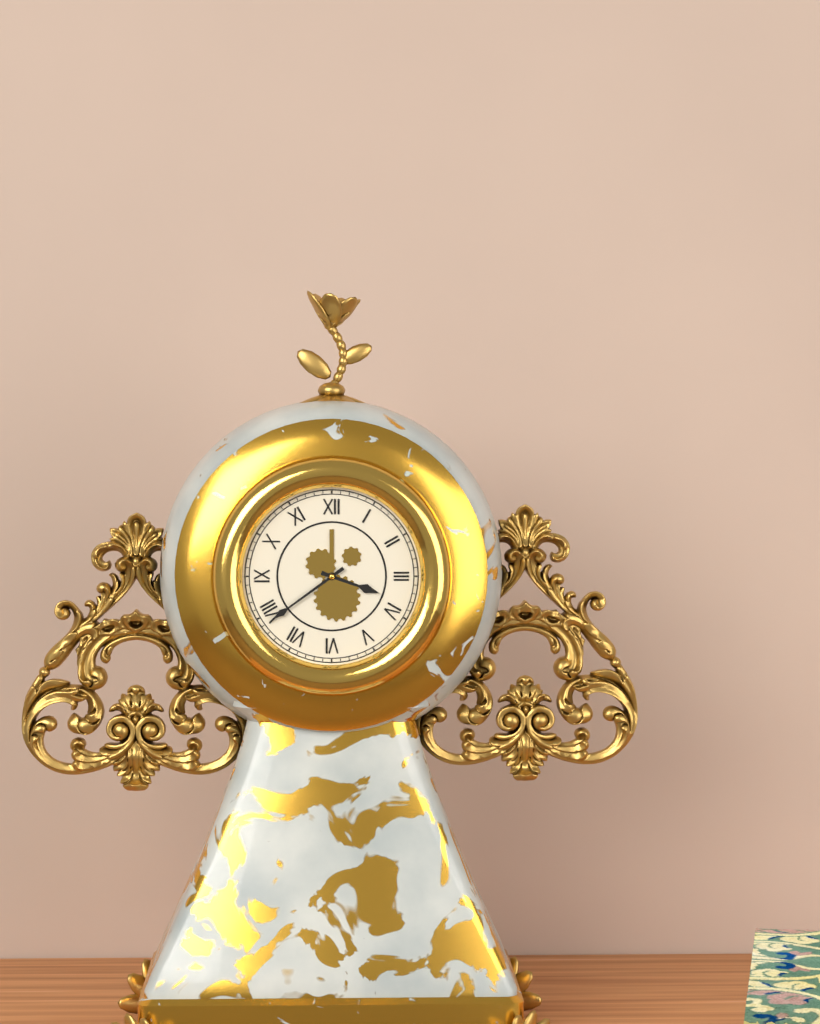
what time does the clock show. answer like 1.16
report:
3.39
